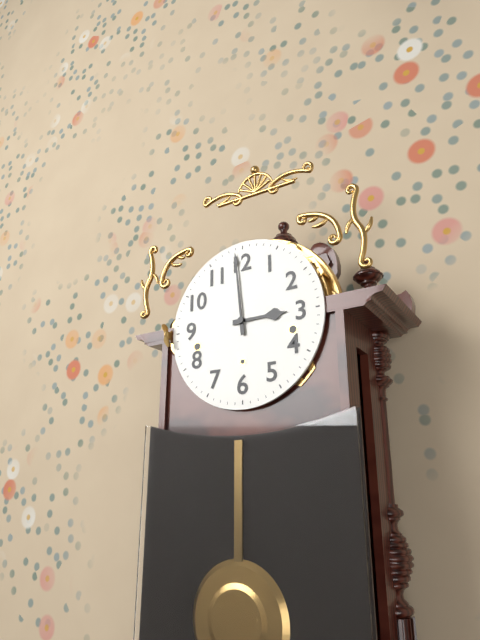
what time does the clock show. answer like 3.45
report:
2.59
